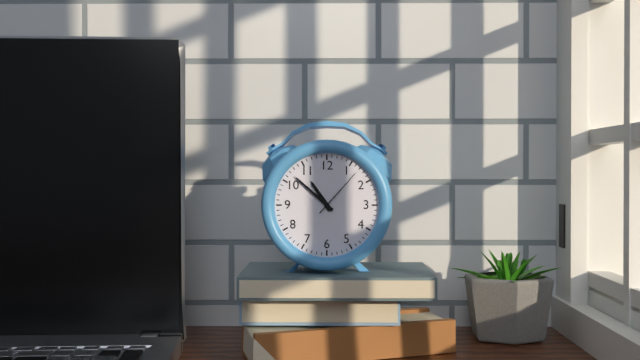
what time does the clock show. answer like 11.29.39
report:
10.52.07
